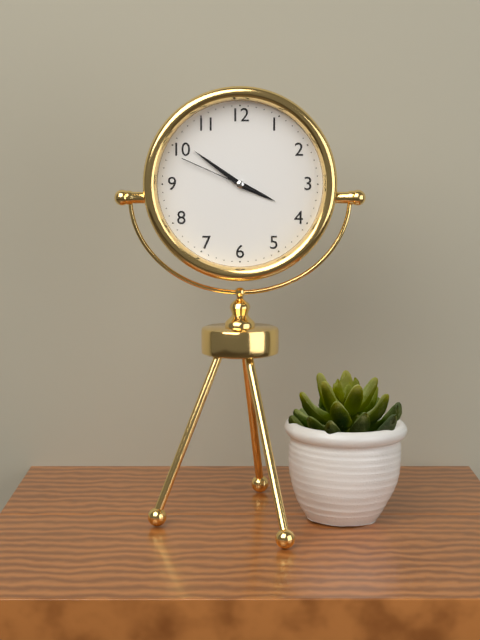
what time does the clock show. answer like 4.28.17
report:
3.51.49
